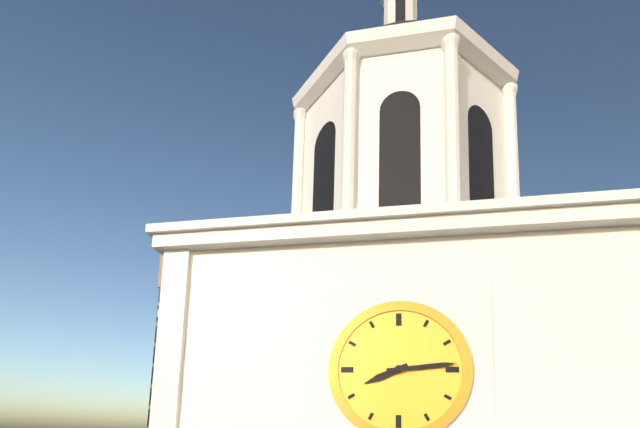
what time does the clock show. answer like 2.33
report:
8.14
